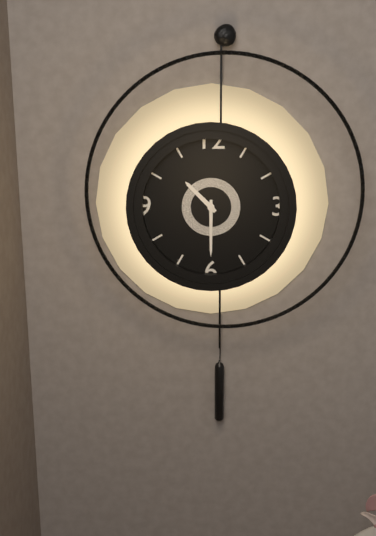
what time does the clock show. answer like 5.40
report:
10.30
